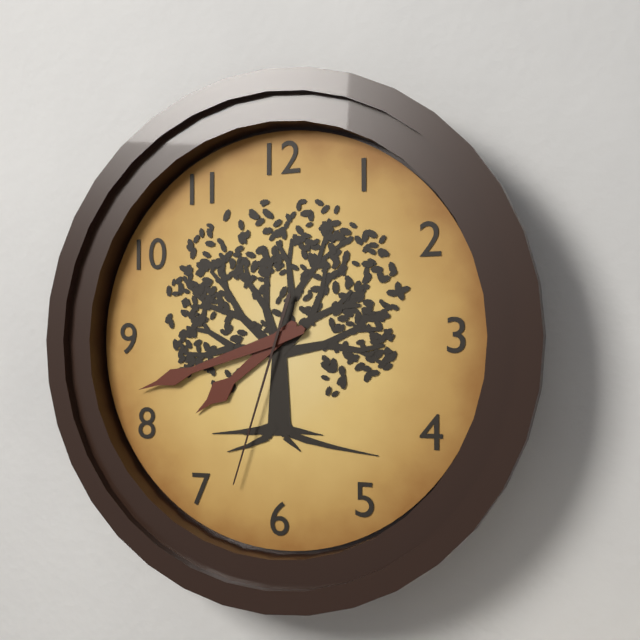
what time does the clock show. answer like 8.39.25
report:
7.42.33
